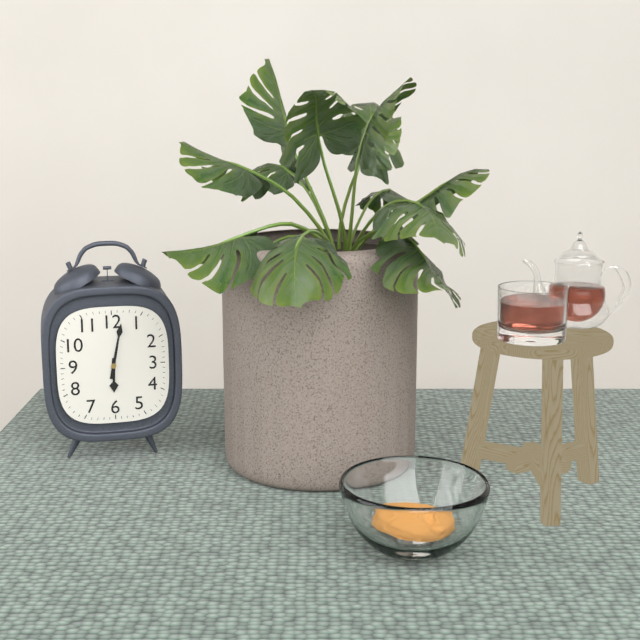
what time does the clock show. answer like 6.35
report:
6.02
